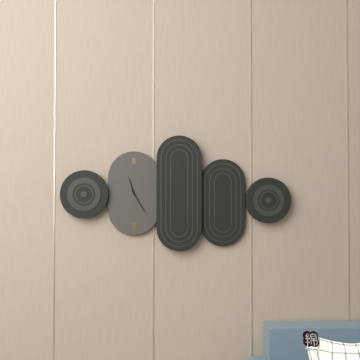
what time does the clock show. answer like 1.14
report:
11.25
